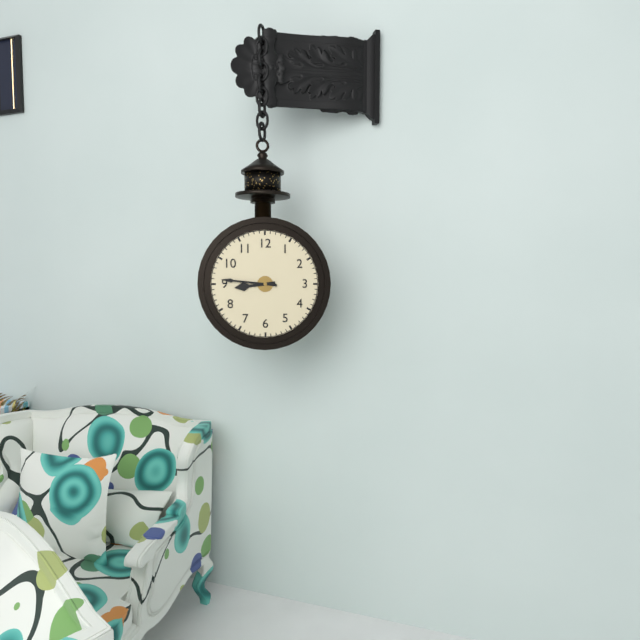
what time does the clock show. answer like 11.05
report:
8.46
